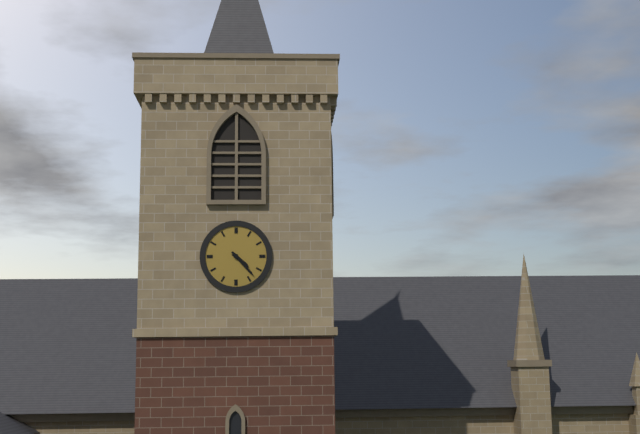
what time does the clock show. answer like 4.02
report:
4.23
